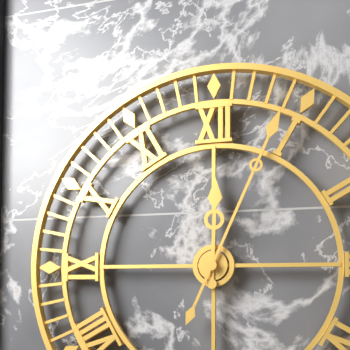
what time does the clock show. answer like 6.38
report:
12.04
